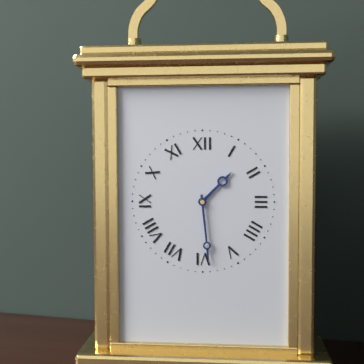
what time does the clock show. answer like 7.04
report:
1.29
